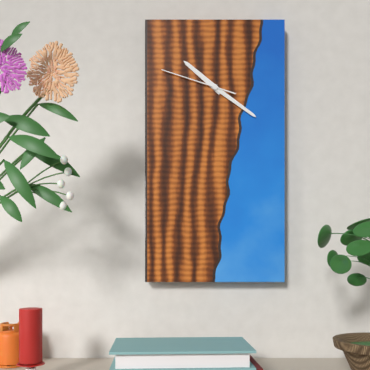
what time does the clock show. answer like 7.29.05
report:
10.21.48
